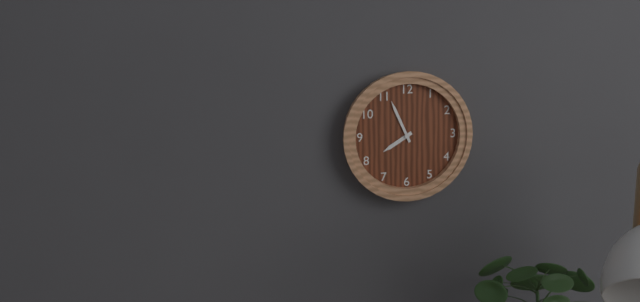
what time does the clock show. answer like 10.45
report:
7.56
